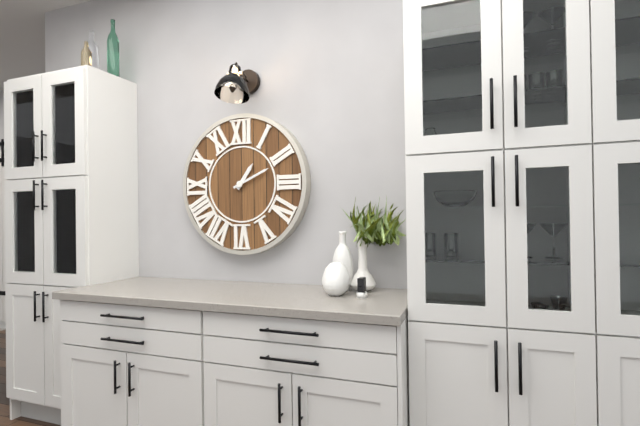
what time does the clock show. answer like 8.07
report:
1.11
